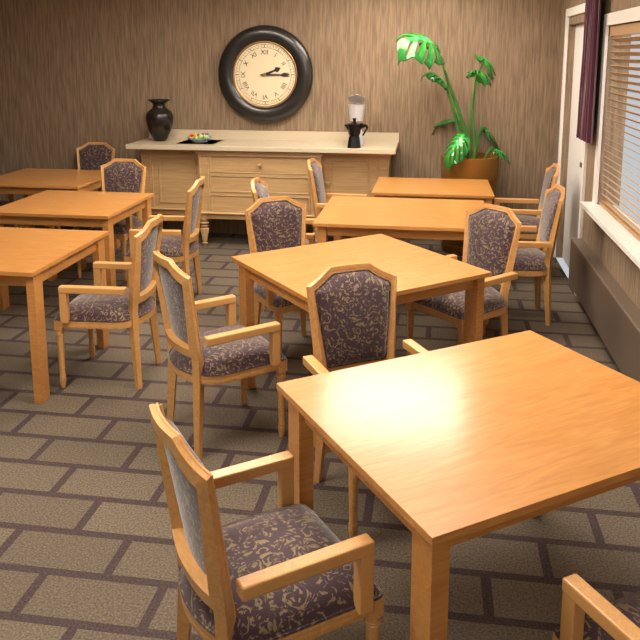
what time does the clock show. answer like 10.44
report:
2.15
